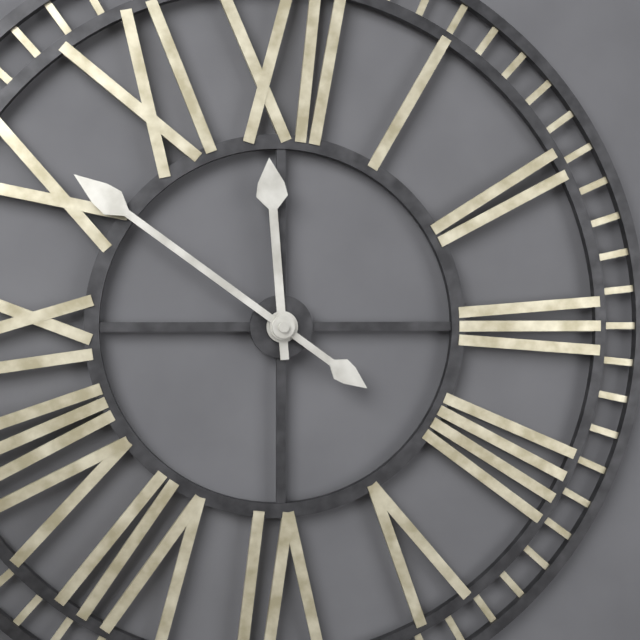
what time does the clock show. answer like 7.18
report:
11.51
